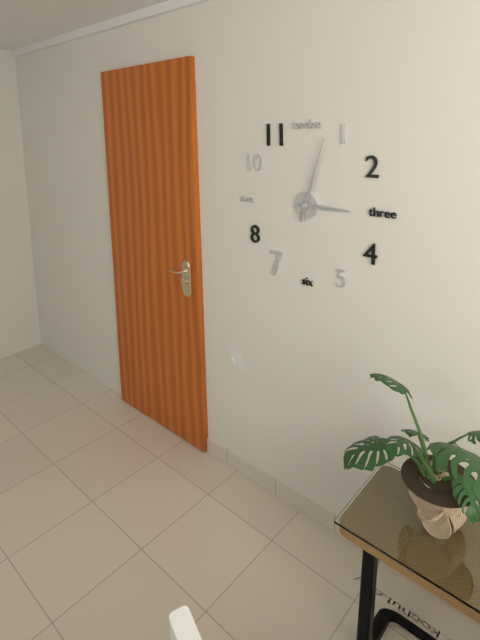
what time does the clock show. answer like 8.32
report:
3.03
